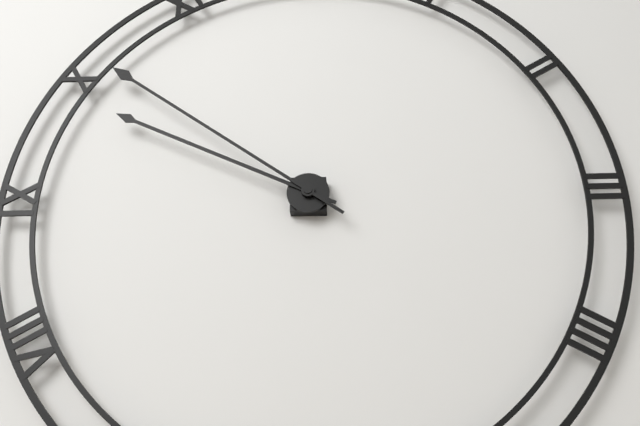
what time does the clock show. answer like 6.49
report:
9.51
